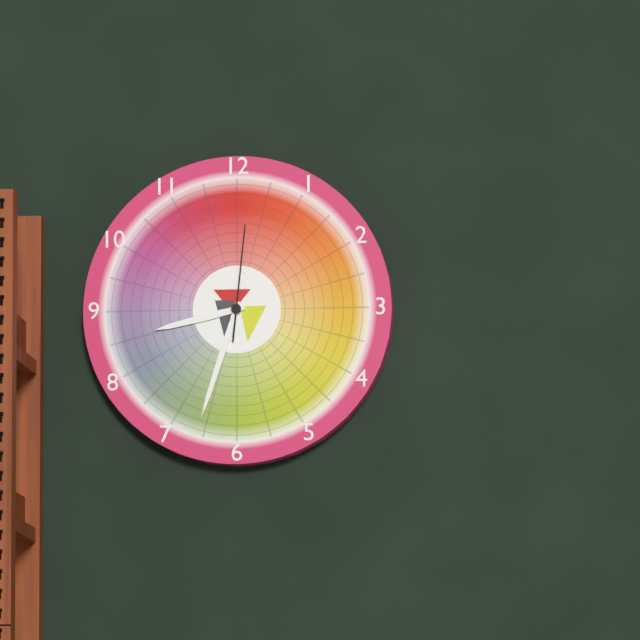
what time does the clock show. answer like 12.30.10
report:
8.33.01
